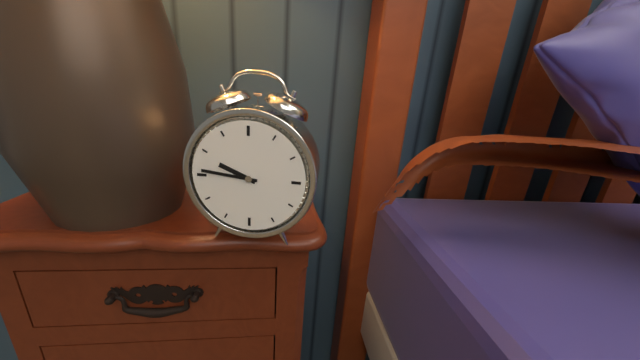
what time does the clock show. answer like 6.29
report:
9.46
